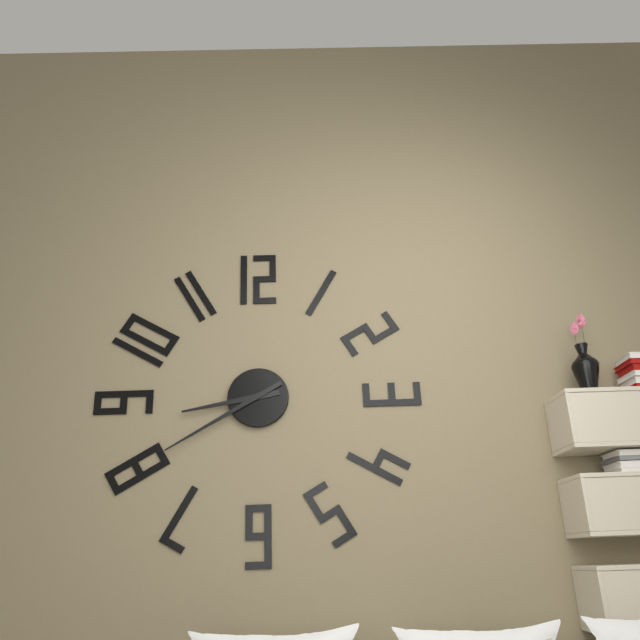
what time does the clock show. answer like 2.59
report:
8.40
